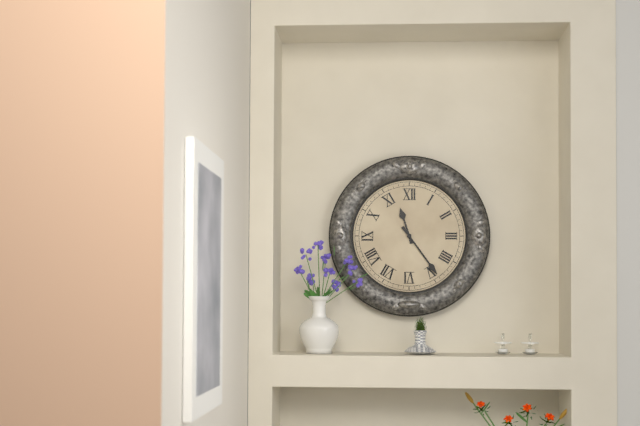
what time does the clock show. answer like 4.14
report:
11.24
